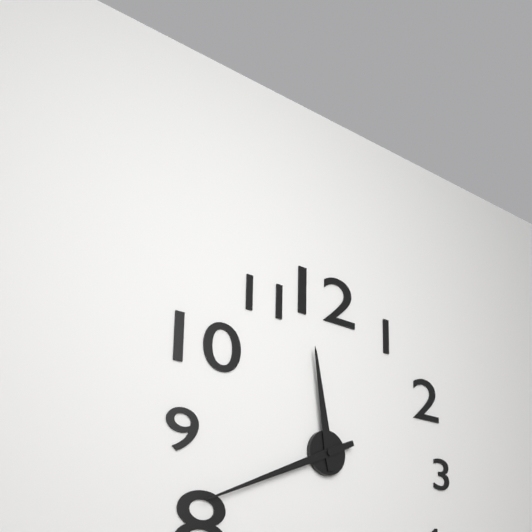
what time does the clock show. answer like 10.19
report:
11.41
